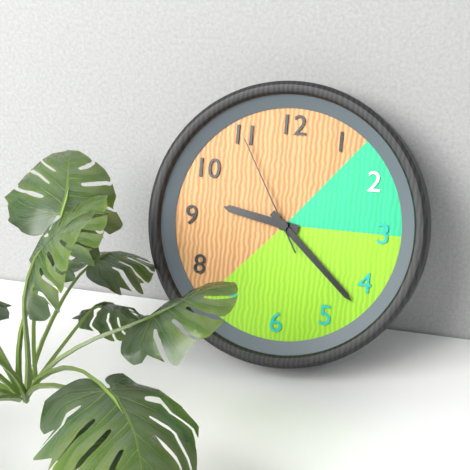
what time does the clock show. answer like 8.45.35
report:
9.22.55
